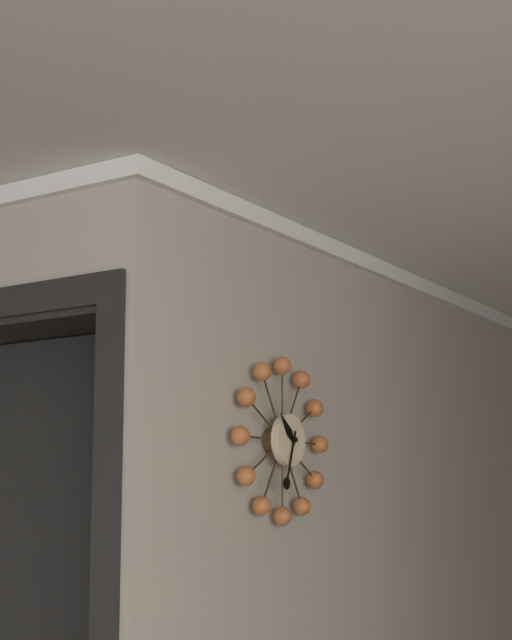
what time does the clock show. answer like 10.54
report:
10.33
